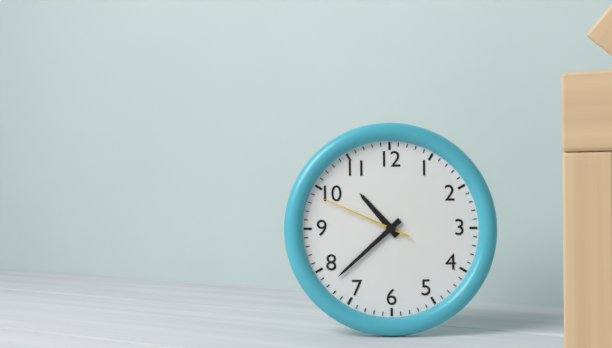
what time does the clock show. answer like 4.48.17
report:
10.38.49
